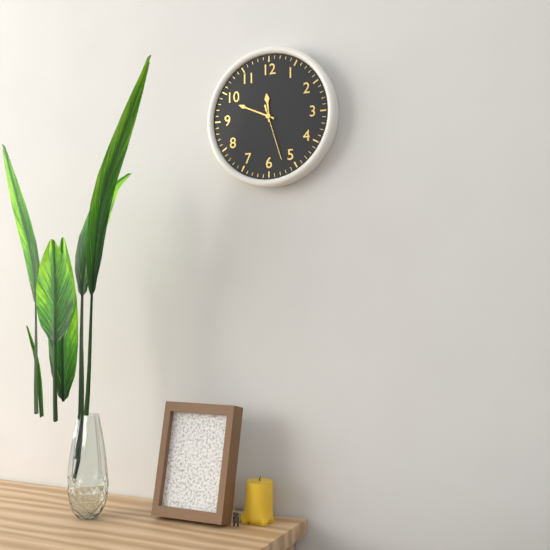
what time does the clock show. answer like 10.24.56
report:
11.49.27
